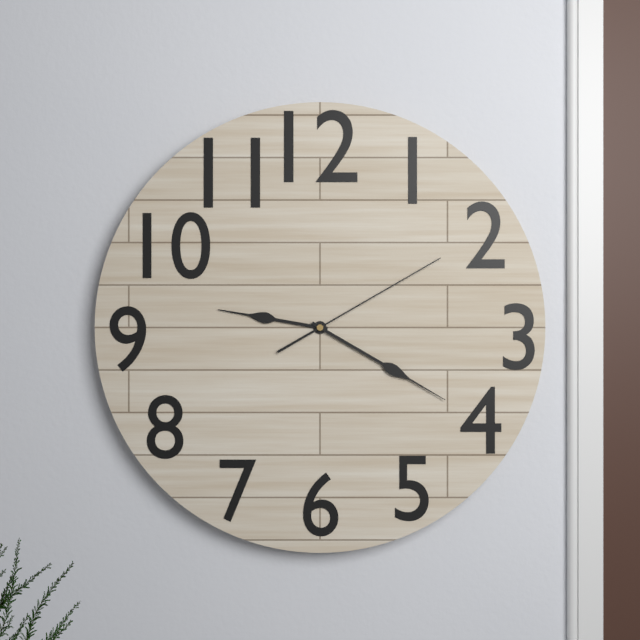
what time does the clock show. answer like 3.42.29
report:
9.20.10
